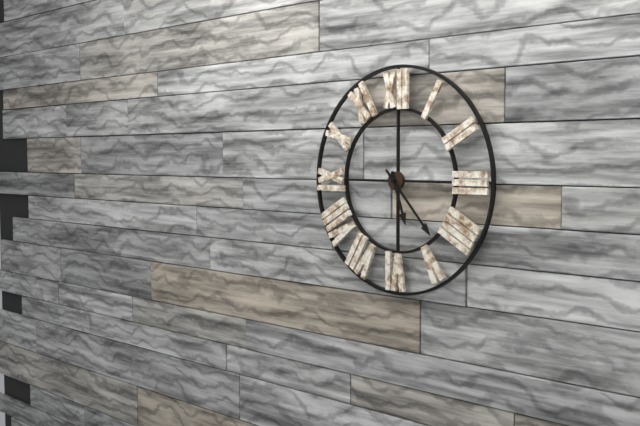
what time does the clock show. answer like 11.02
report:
5.23
